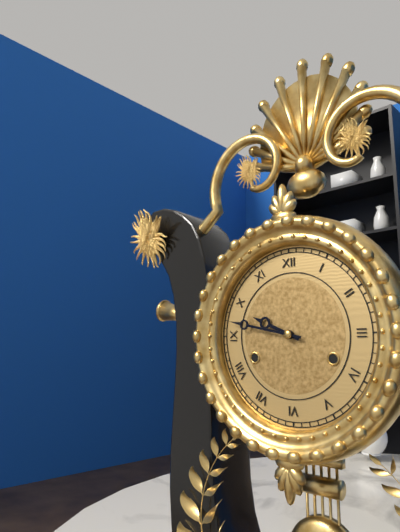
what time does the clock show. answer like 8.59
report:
9.47
